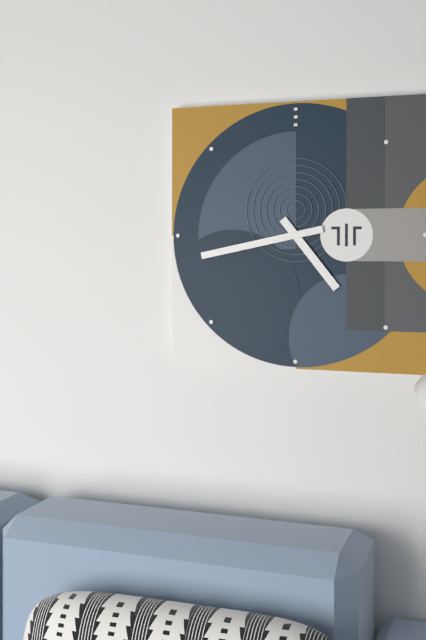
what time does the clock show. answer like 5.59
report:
4.43
